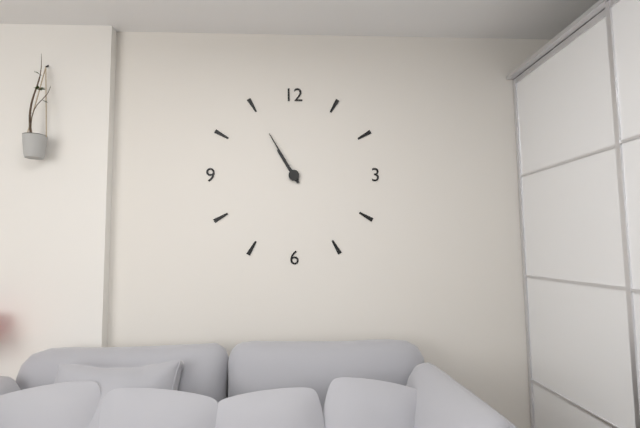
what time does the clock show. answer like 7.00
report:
10.55
